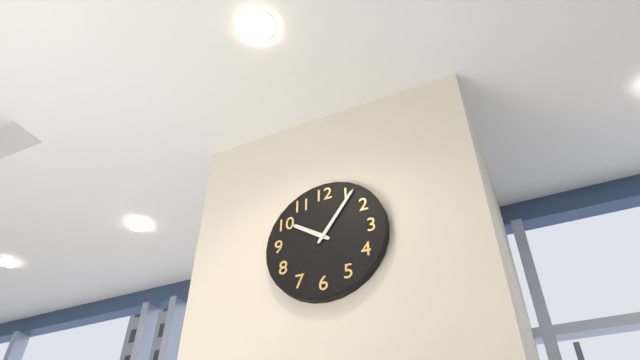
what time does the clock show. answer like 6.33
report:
10.06
